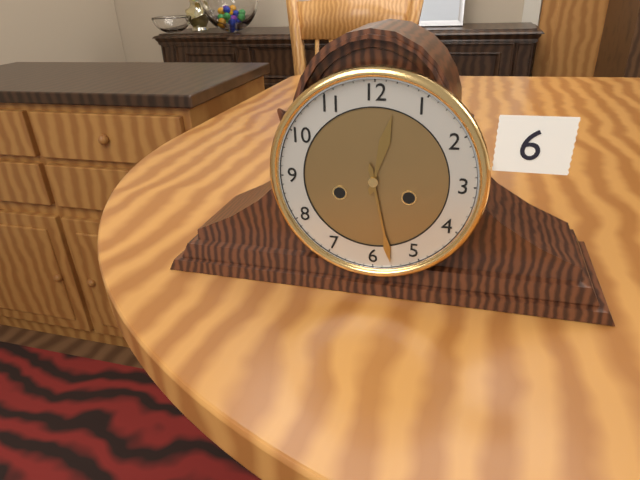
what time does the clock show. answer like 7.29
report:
12.28
